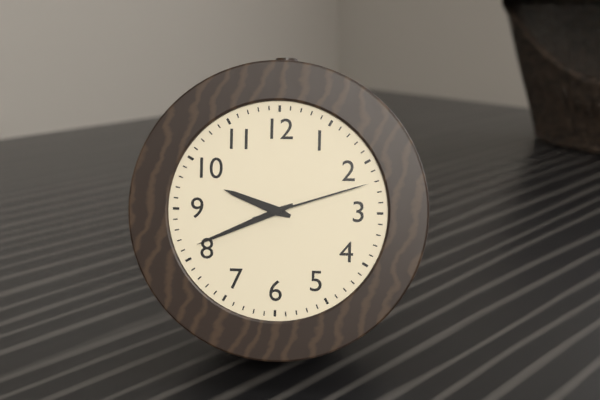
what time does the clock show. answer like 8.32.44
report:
9.41.12
